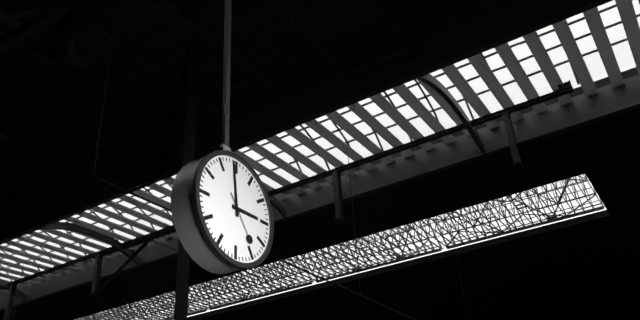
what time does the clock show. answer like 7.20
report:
2.59
